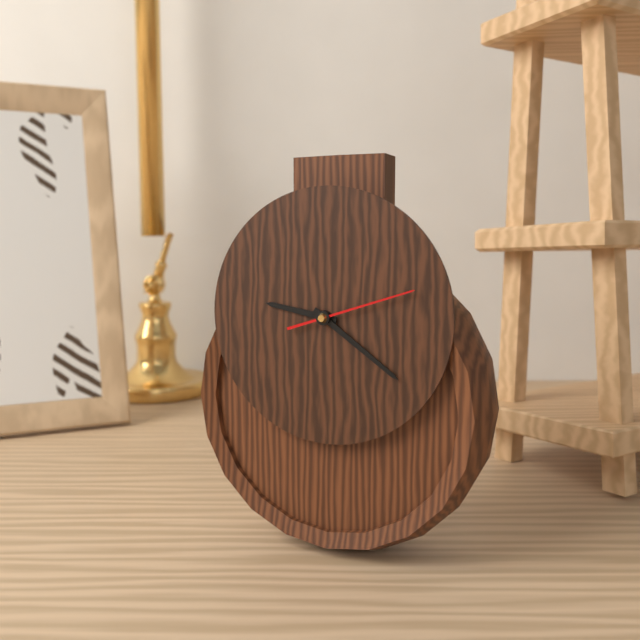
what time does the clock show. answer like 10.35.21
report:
9.21.12
